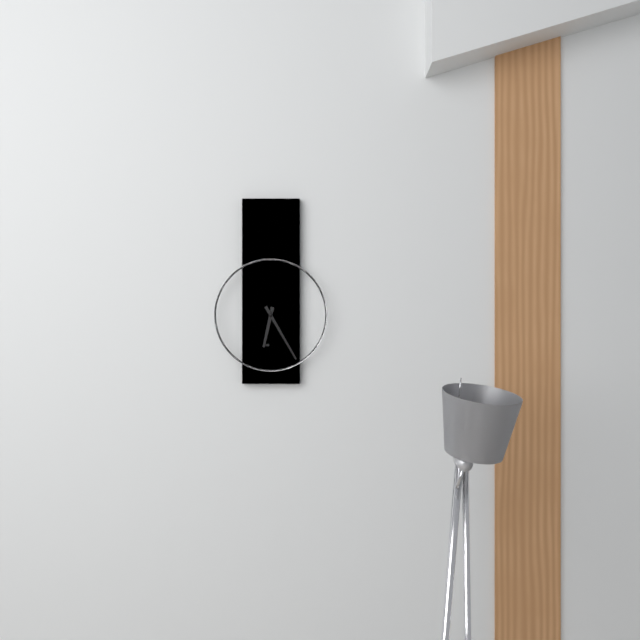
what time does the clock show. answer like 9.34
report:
6.25
